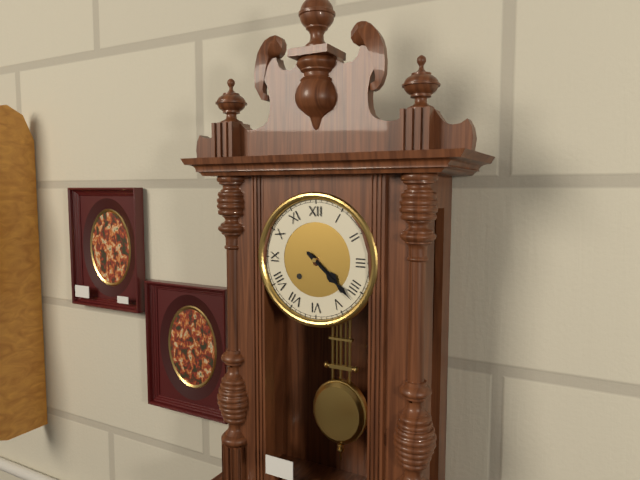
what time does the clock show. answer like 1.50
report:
4.22
